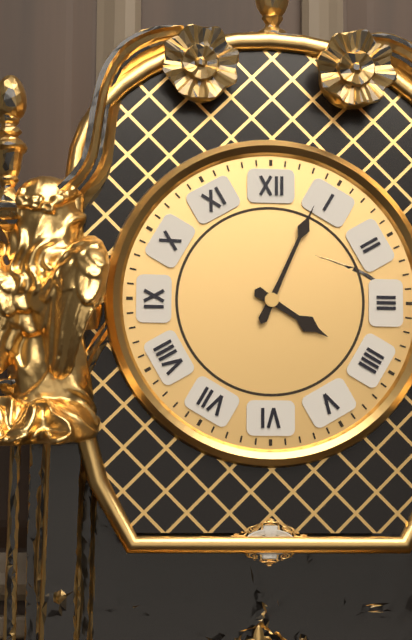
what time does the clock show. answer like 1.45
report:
4.04
